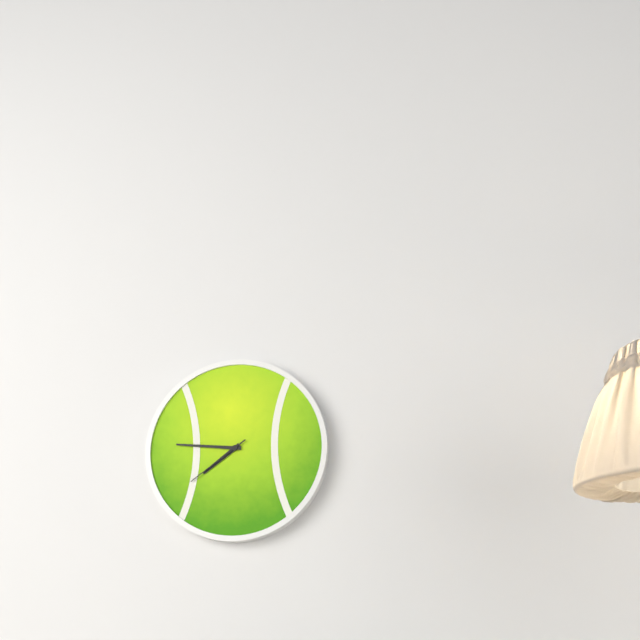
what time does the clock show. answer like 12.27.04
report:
7.46.39
